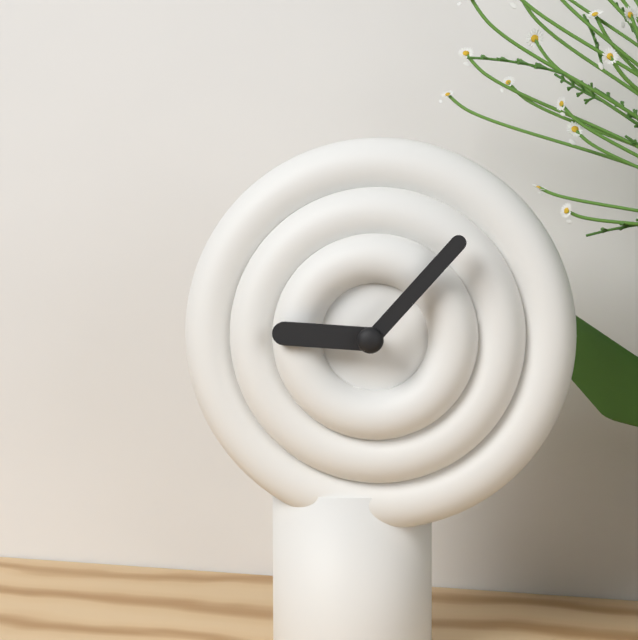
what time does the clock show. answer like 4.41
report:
9.07
